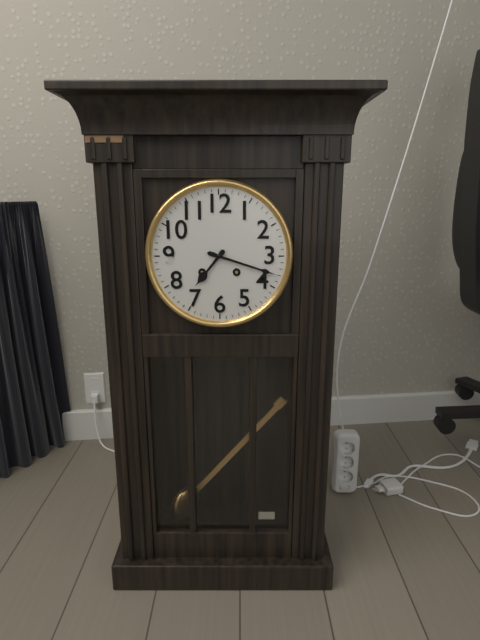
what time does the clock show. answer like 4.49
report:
7.18
